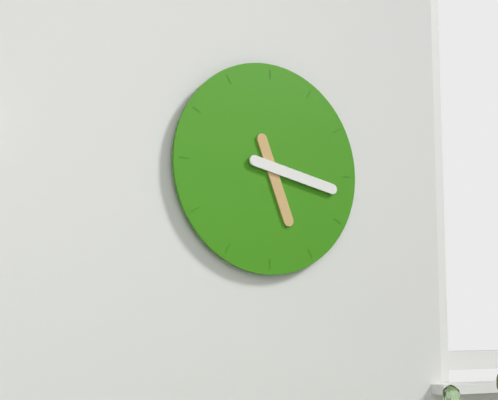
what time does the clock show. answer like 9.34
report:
5.17
